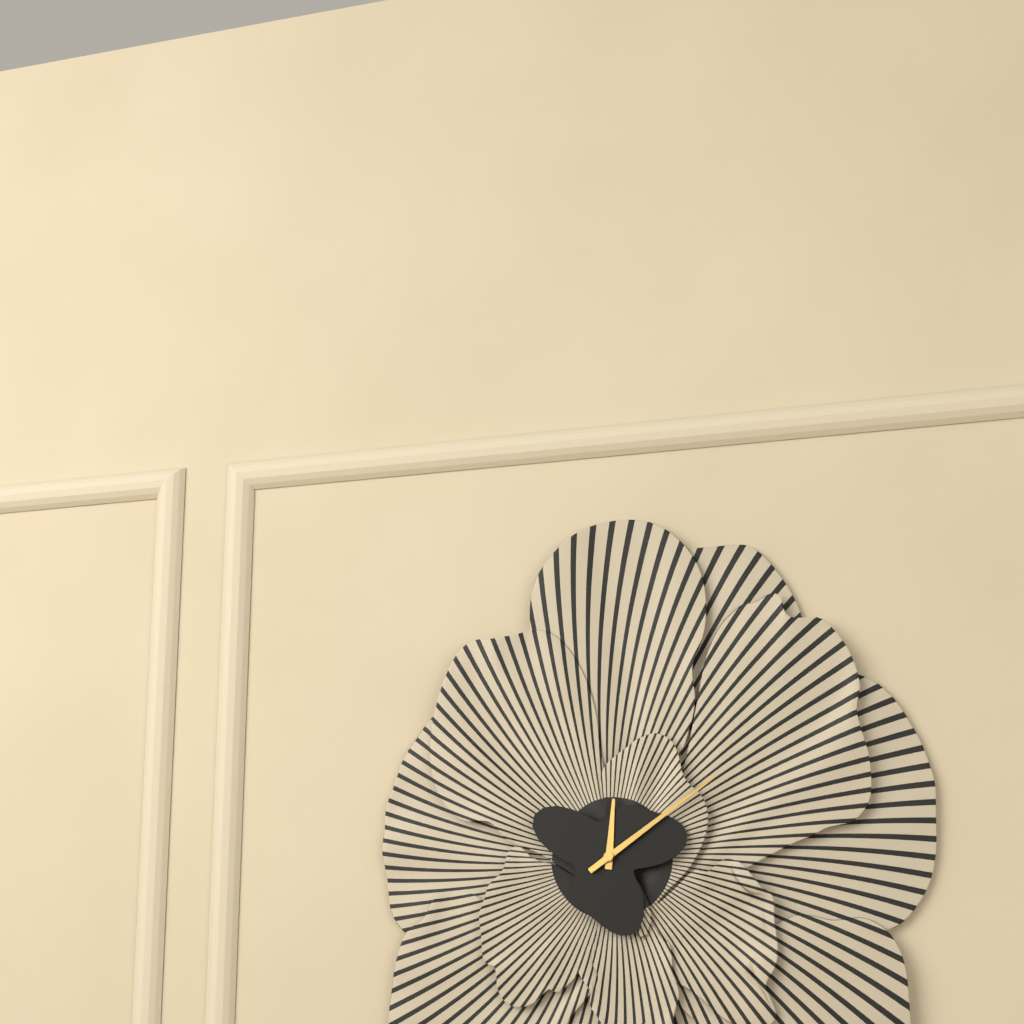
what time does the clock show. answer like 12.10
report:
12.09
